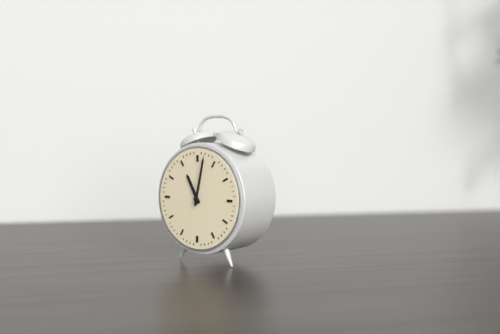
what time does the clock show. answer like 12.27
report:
11.02
